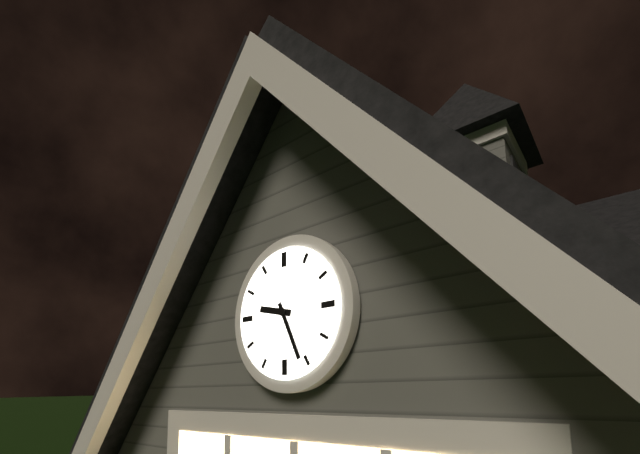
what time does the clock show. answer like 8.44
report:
9.26
